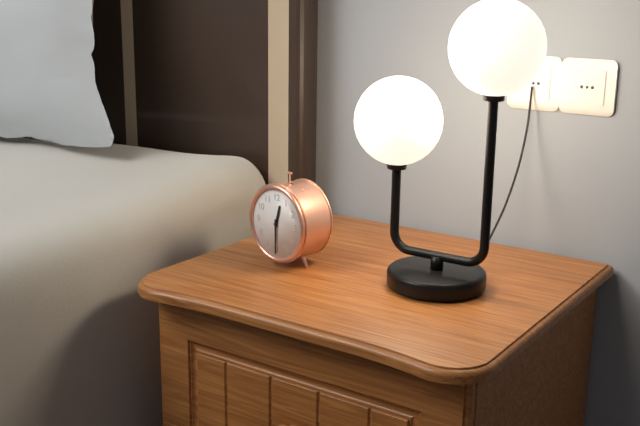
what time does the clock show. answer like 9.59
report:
12.30
